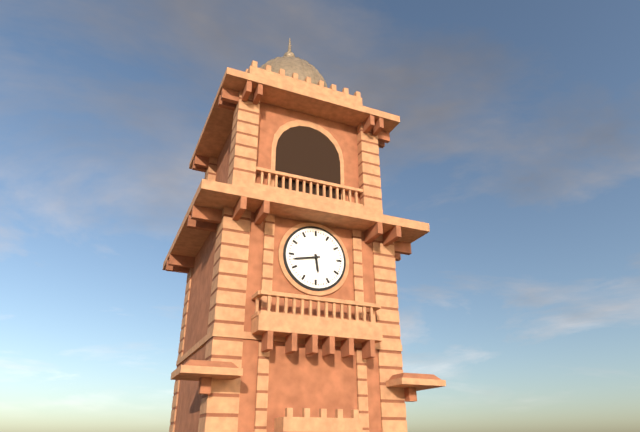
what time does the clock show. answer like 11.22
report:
5.43
